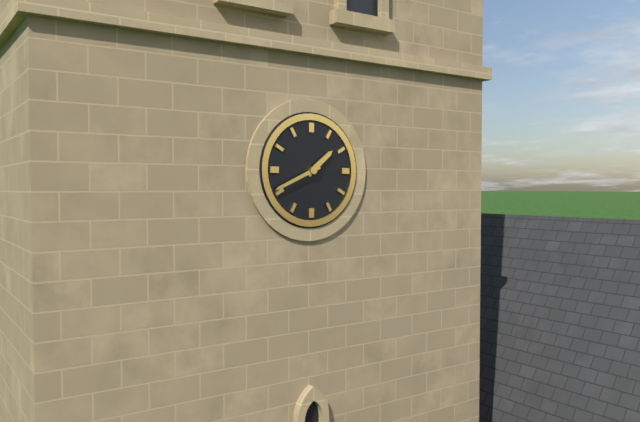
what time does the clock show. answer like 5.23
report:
1.41
